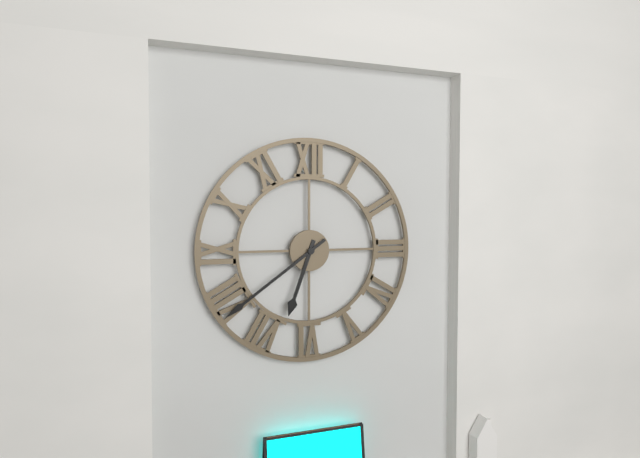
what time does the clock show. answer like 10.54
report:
6.39
